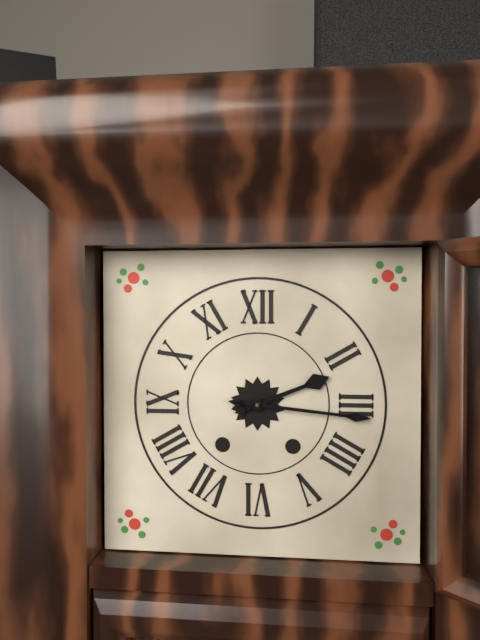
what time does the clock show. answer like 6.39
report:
2.16
